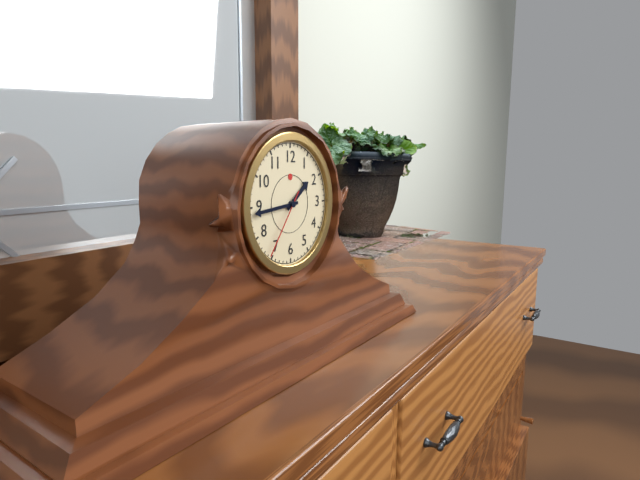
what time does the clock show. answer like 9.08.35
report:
1.44.36
